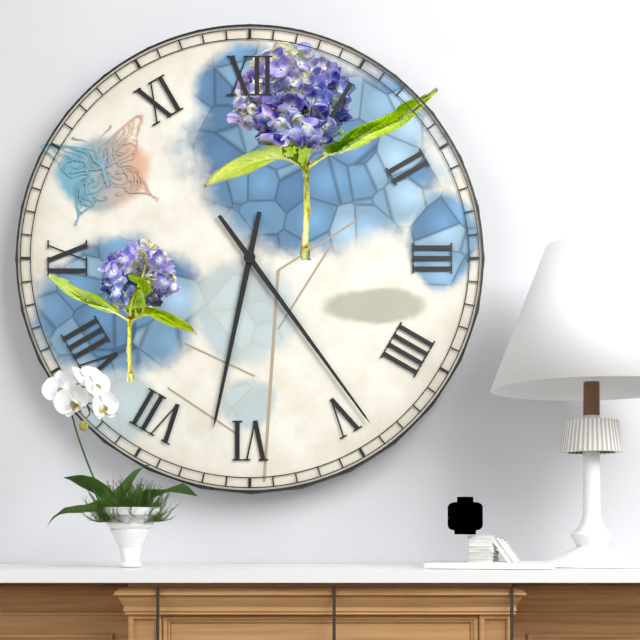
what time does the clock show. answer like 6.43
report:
6.24
